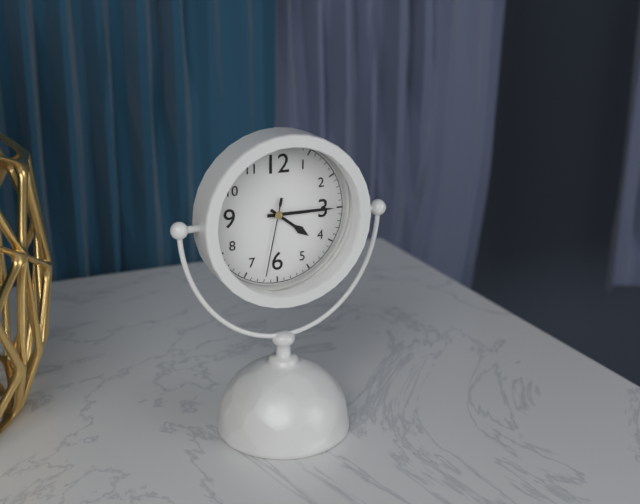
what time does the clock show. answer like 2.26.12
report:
4.15.32
